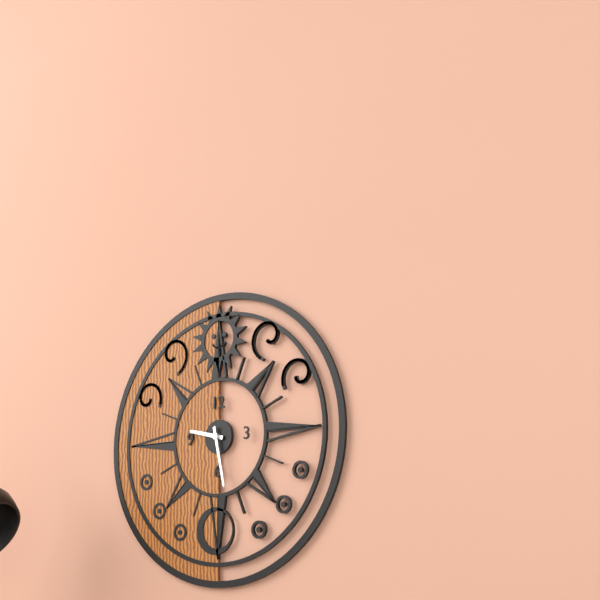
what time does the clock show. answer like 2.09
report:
9.28
